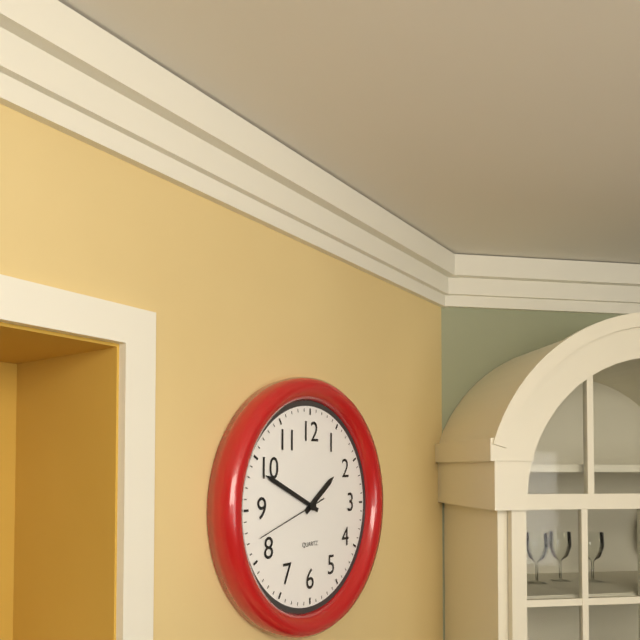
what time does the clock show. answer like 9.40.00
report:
1.49.42
